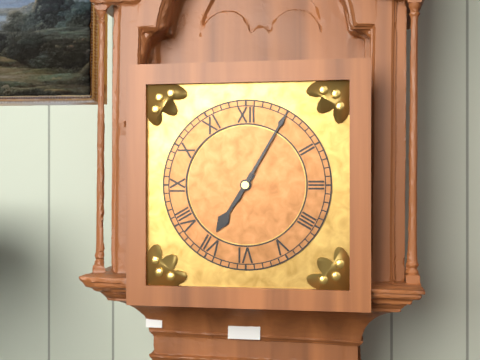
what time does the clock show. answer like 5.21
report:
7.05
